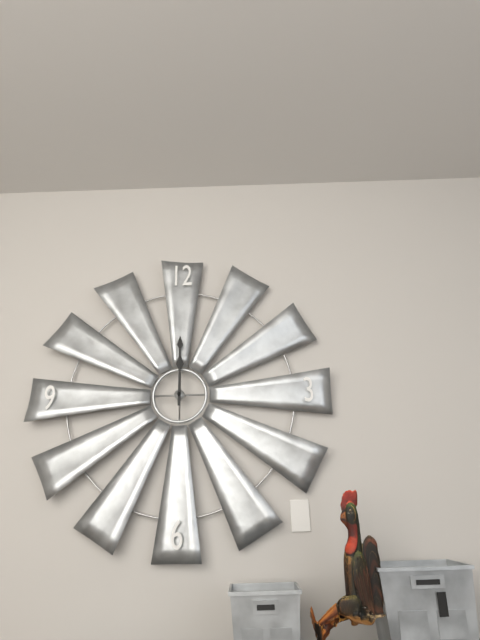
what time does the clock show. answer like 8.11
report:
12.00
